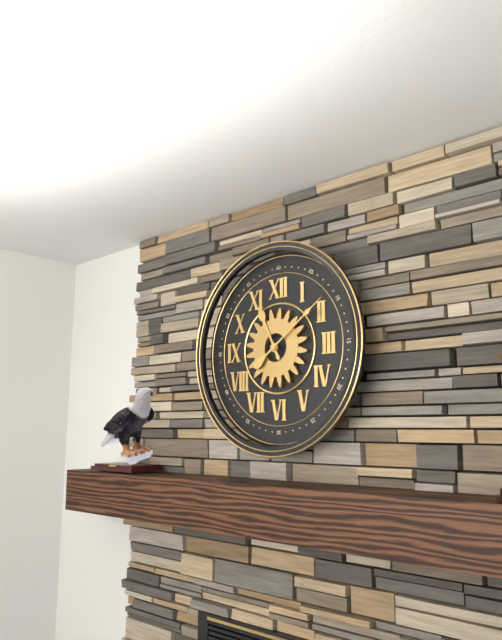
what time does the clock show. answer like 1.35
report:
11.09
